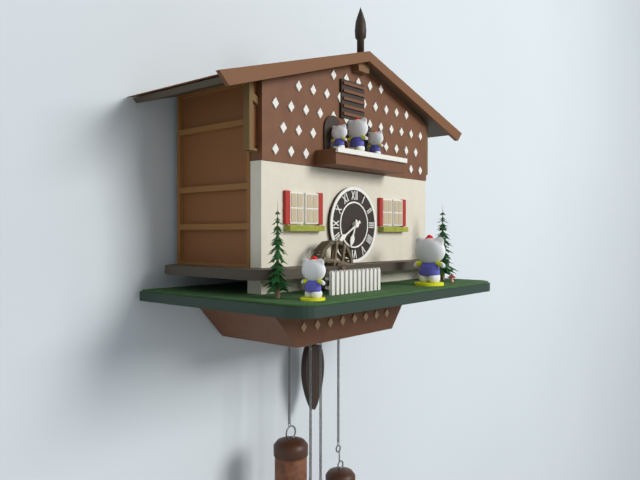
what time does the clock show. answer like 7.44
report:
6.40
